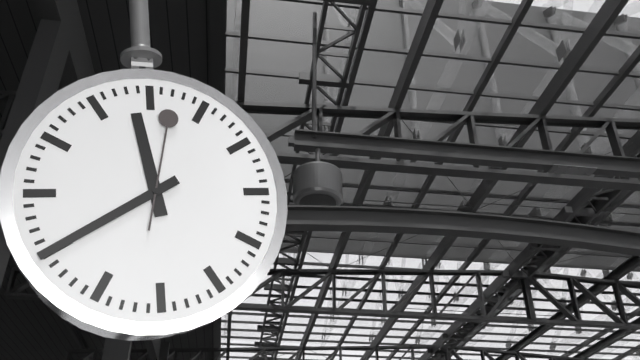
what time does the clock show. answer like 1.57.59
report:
11.40.02
